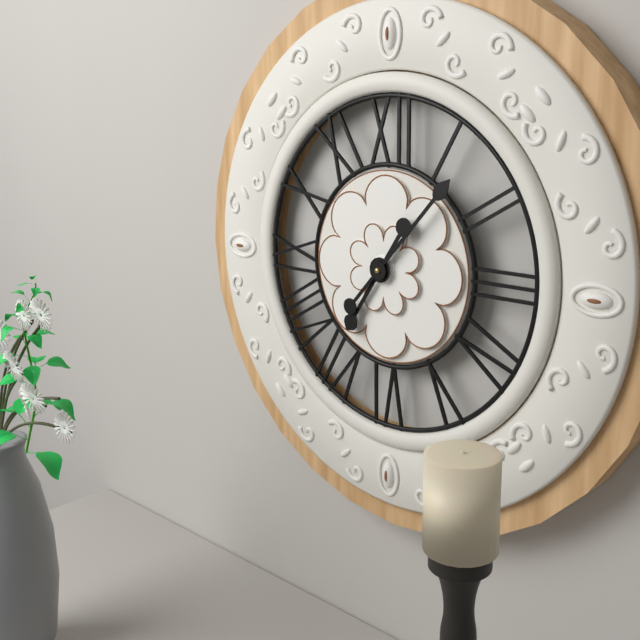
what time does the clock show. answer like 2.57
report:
7.07
